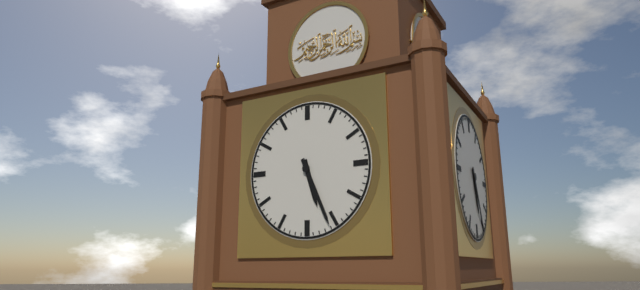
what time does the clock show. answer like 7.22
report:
5.26
